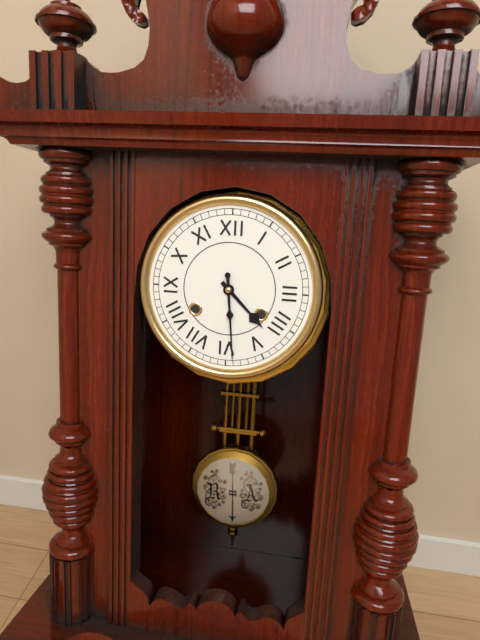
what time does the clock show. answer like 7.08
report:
4.29
